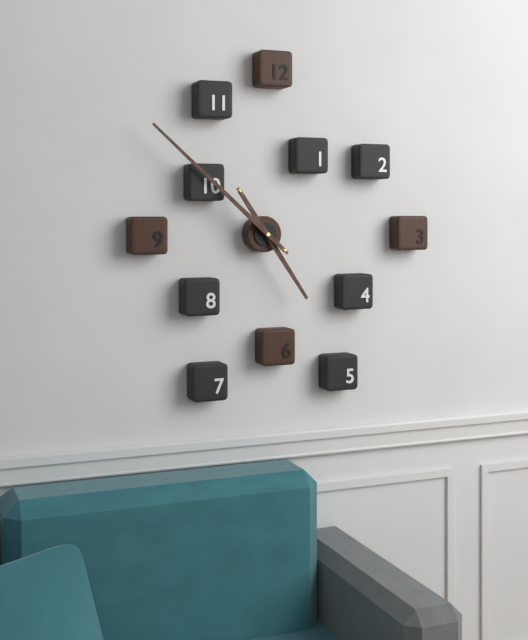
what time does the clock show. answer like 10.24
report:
4.52
